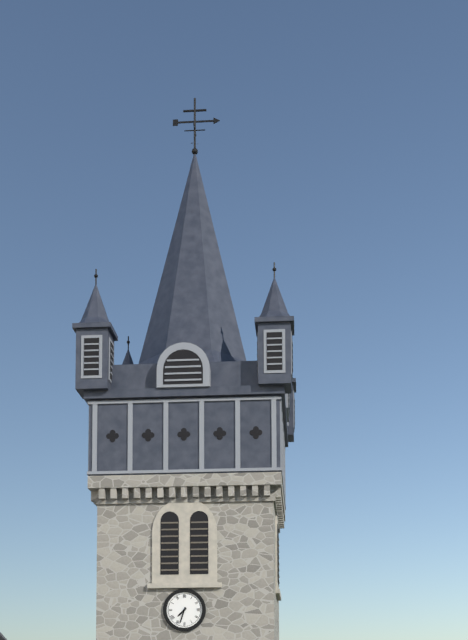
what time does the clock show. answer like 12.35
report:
7.33
